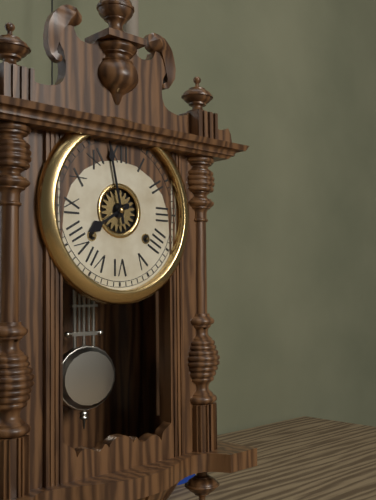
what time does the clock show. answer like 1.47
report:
7.58
